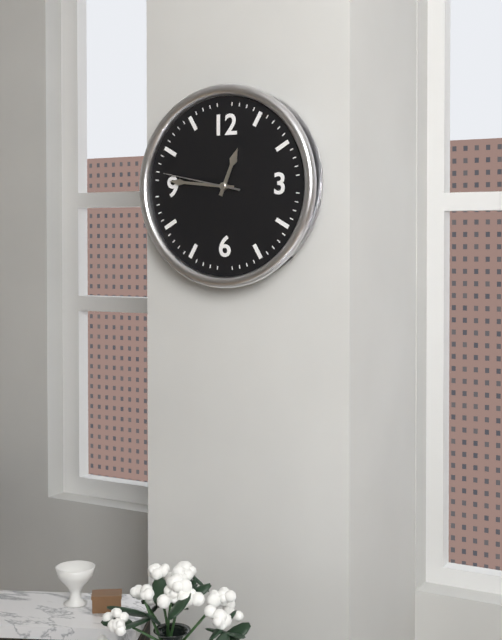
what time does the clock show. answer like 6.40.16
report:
12.46.47
